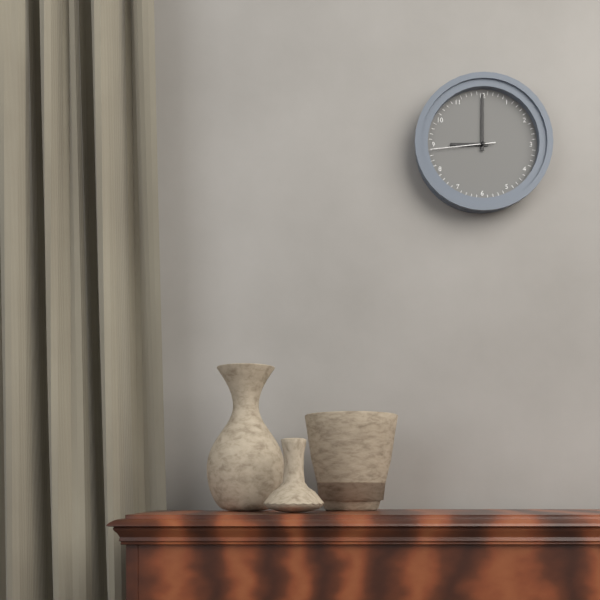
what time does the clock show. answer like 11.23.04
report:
9.00.44
